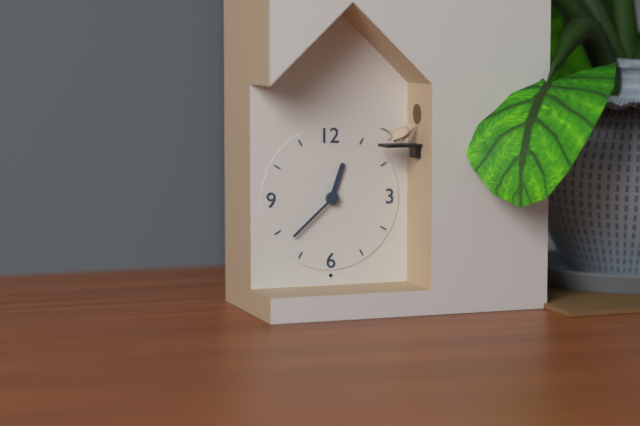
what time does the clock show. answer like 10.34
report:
12.38
